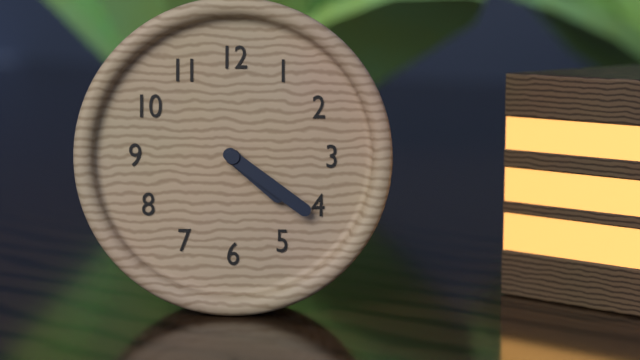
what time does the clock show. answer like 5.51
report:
4.21
